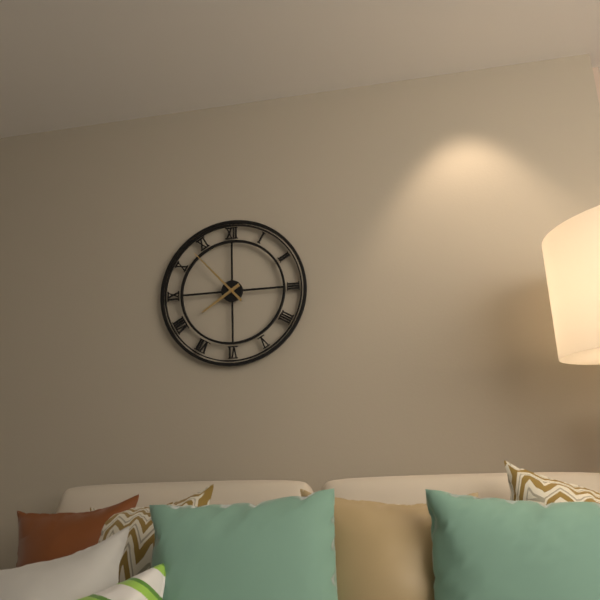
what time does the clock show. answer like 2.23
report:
7.53
